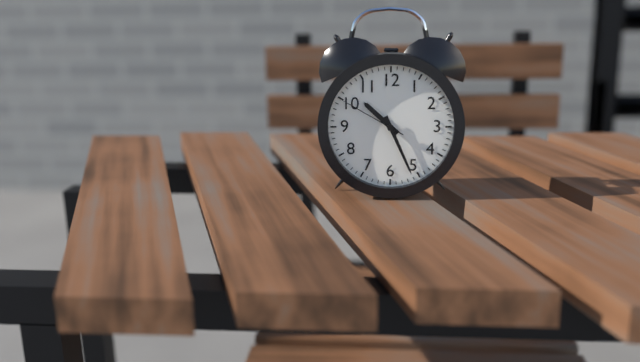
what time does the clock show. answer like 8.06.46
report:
10.26.50
